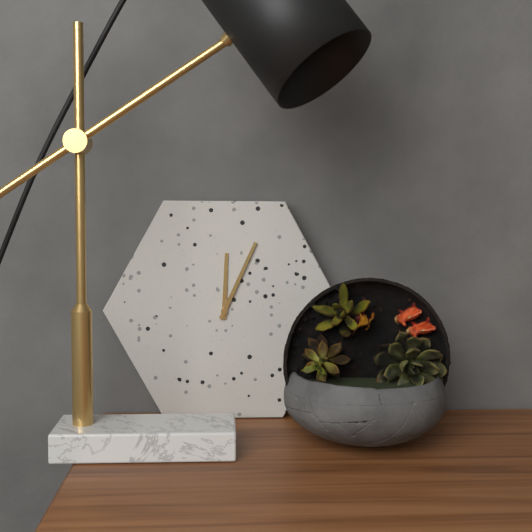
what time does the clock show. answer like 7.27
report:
12.04
